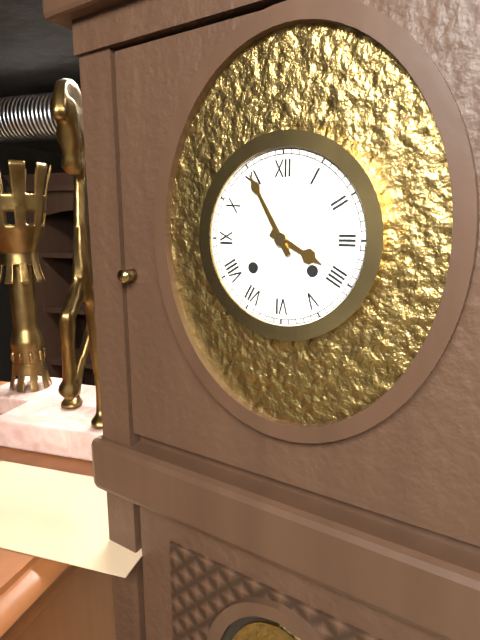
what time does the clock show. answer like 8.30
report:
3.55
